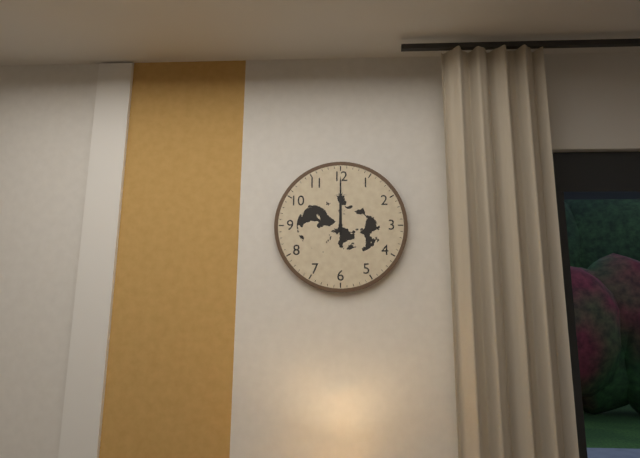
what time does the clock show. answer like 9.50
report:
12.00
